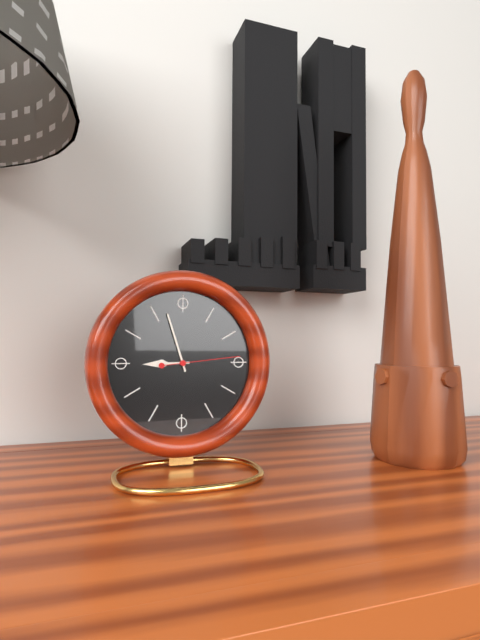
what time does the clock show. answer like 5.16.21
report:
8.57.14
